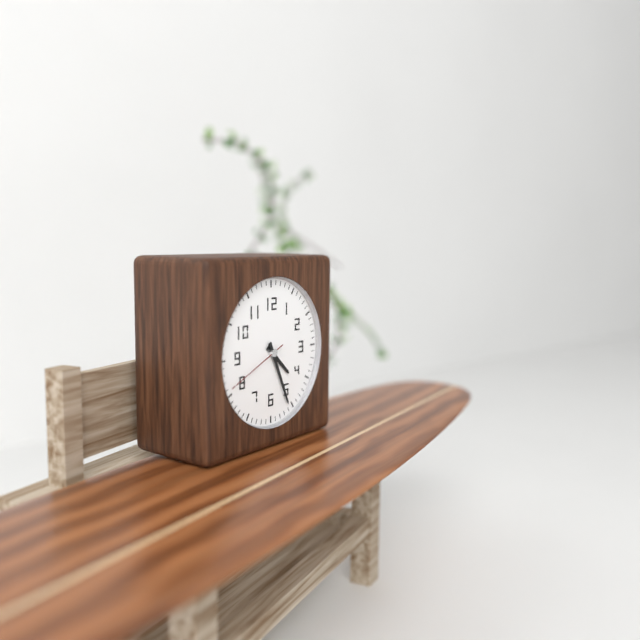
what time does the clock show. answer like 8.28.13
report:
4.26.41
